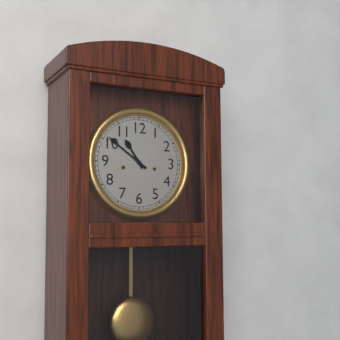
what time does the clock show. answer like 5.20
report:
10.51
